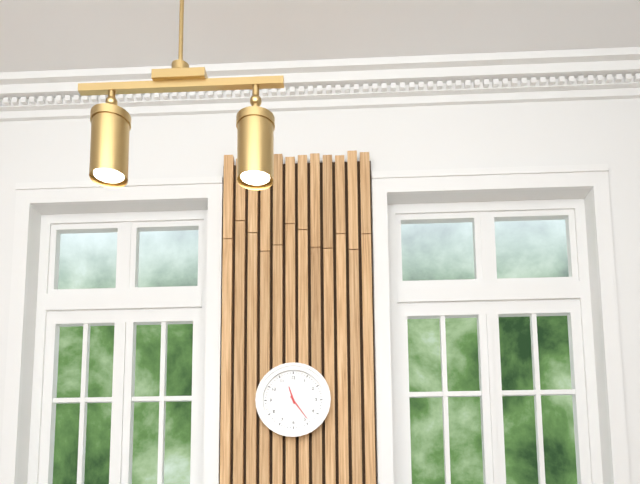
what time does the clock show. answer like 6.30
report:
11.24
